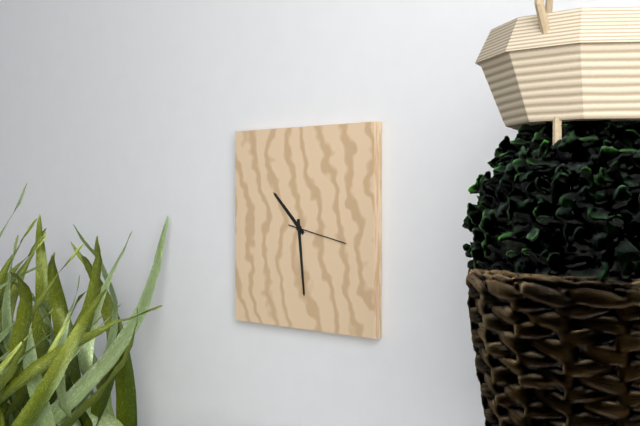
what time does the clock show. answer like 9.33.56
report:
10.29.17
